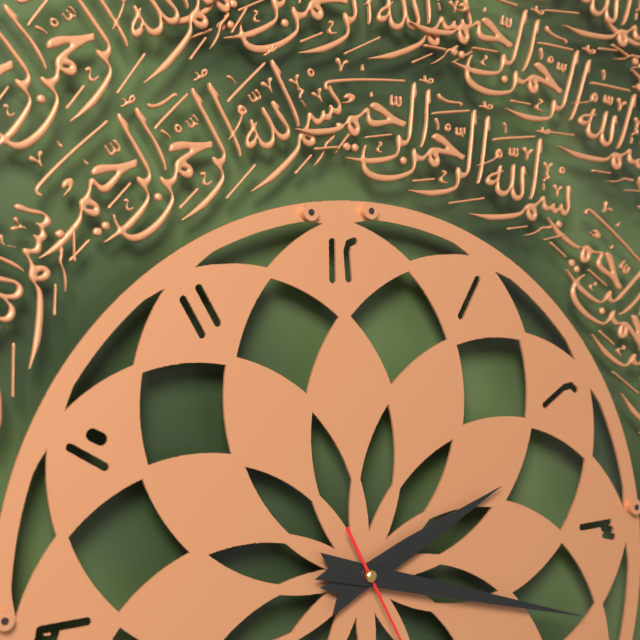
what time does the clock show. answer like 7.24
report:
2.18
